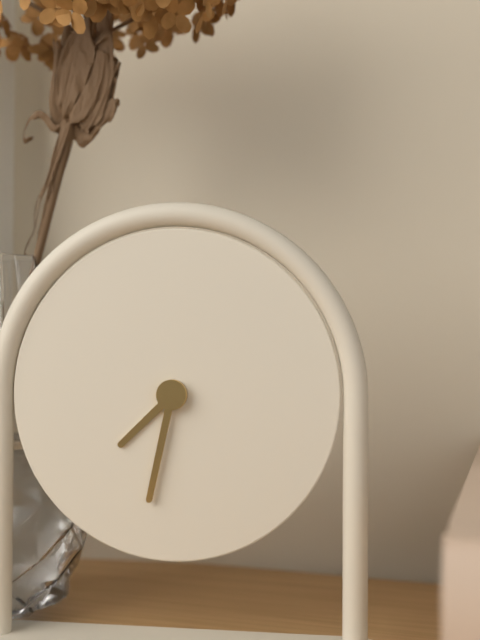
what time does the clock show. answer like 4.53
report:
7.32
